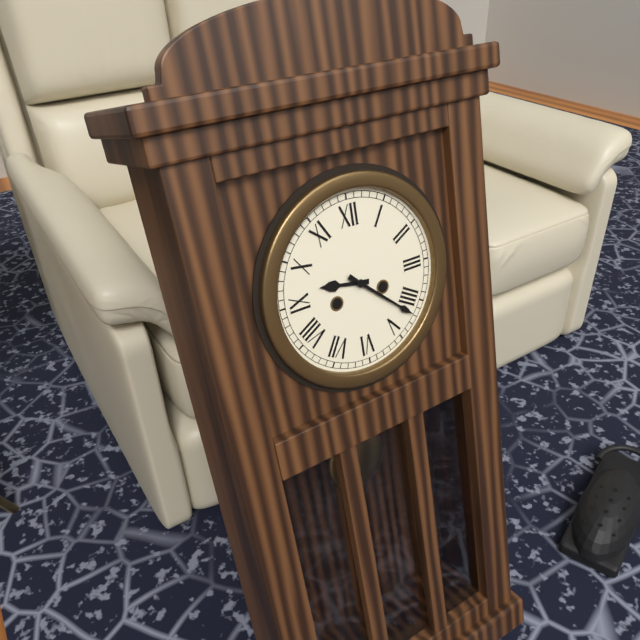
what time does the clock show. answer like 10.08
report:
9.22
